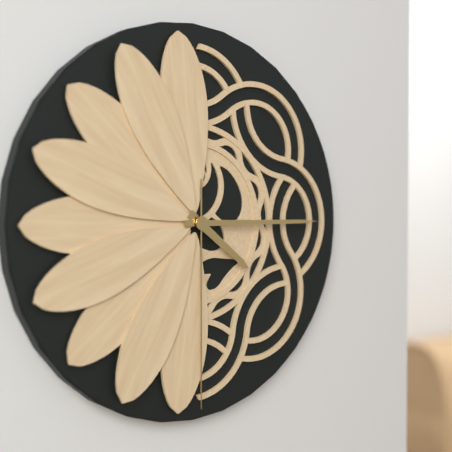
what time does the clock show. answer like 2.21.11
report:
4.15.30
